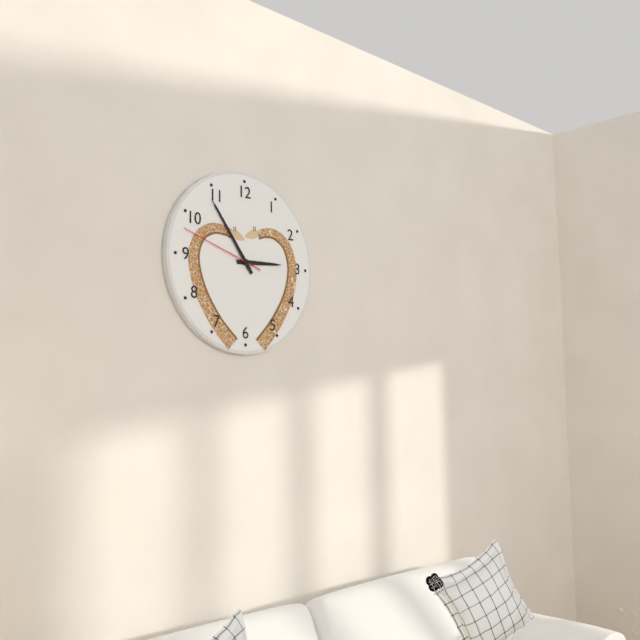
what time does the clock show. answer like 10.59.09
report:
2.54.48
